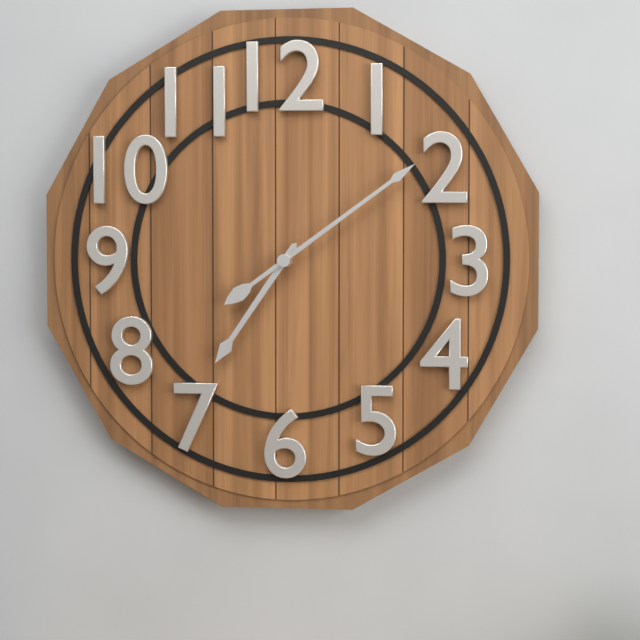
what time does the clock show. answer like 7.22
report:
7.09
